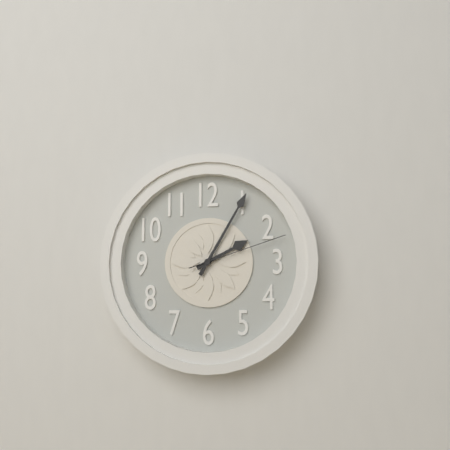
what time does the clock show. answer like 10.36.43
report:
2.05.12
